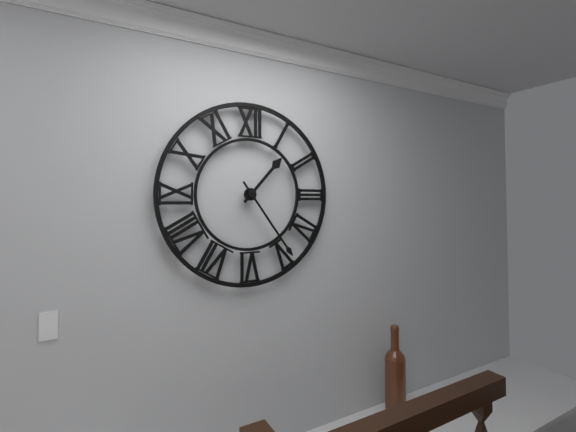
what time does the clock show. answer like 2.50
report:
1.24
